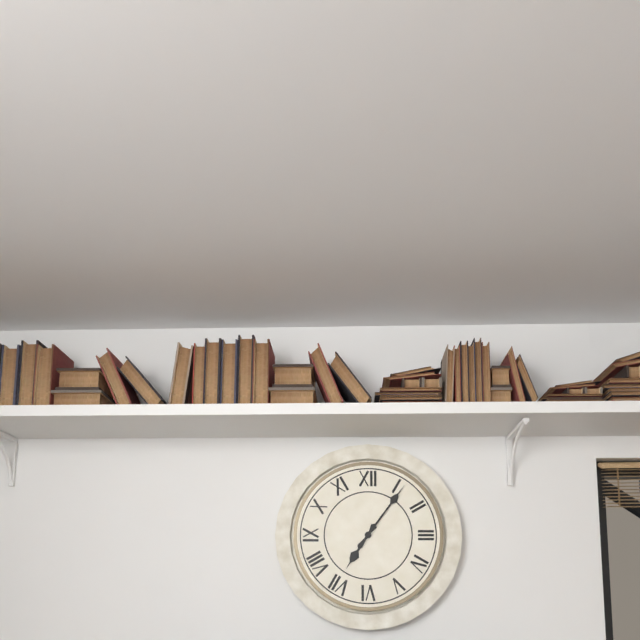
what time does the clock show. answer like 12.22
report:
7.06
